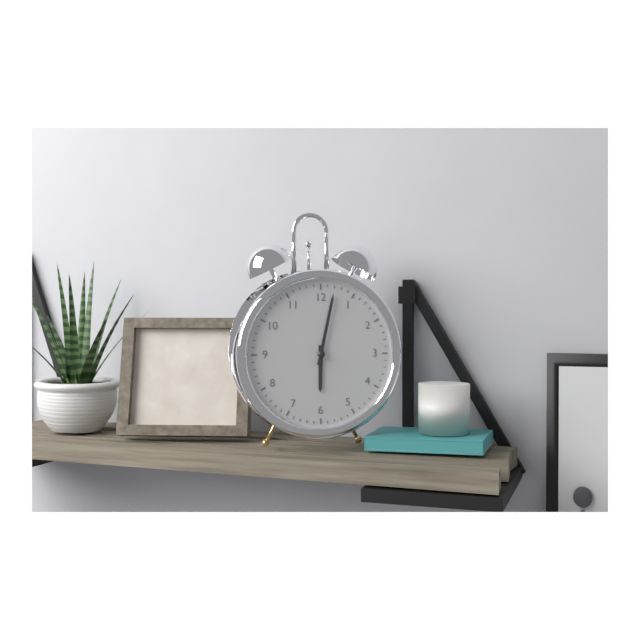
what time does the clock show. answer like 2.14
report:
6.02
